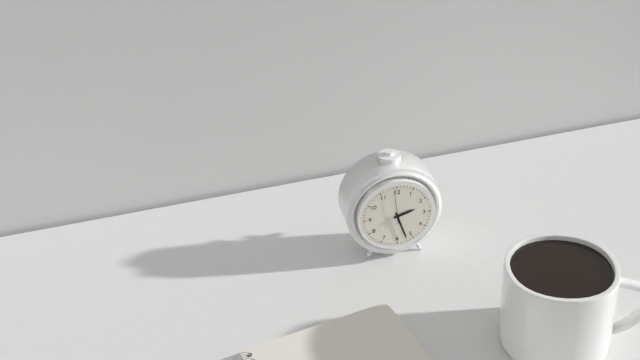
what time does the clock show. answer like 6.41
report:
2.27
